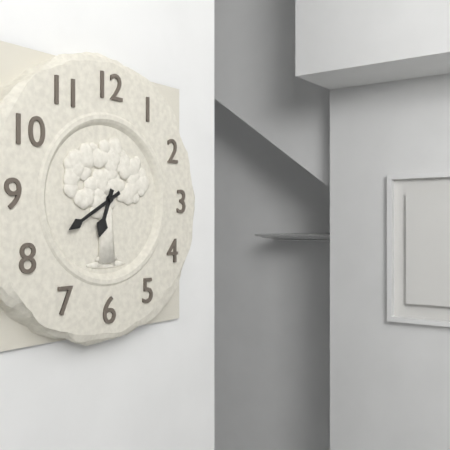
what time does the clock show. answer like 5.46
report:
6.40
